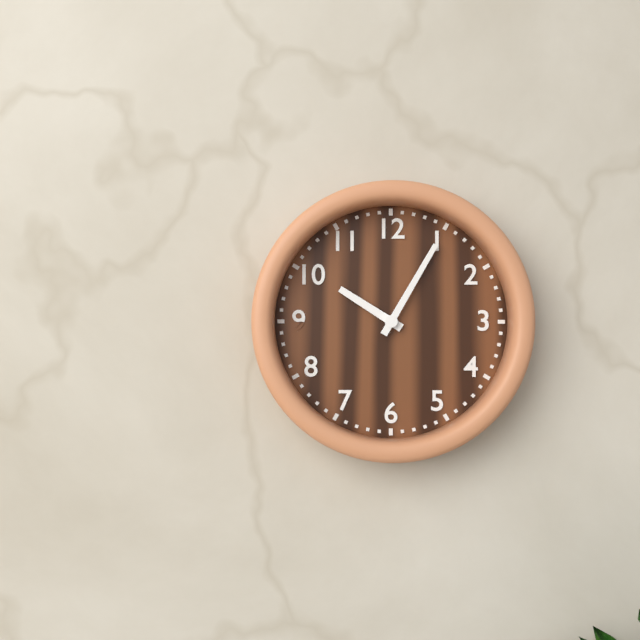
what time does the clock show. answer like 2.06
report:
10.05
